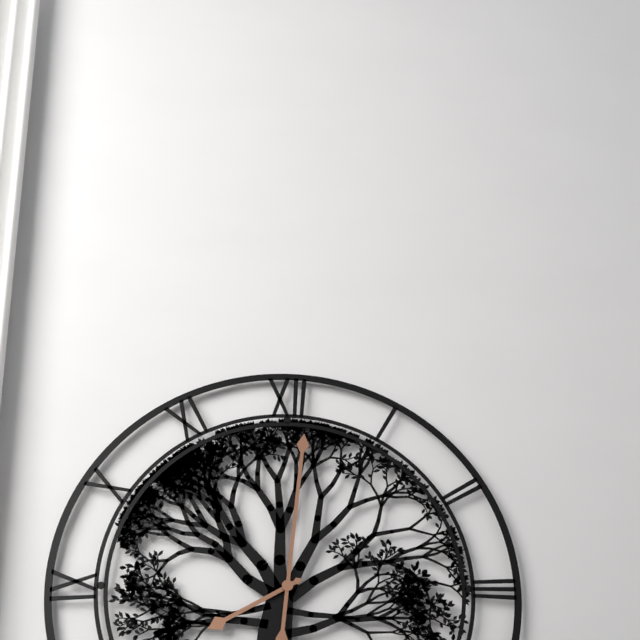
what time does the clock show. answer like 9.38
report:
8.01
